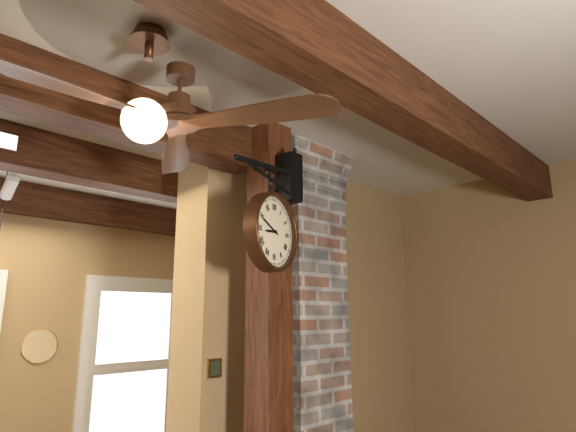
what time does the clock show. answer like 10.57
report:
8.49
